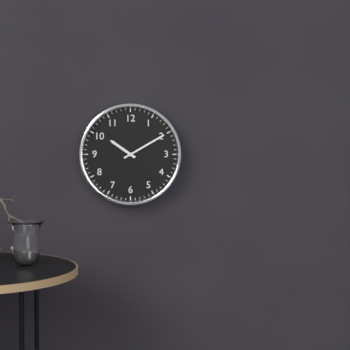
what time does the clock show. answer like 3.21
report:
10.10
